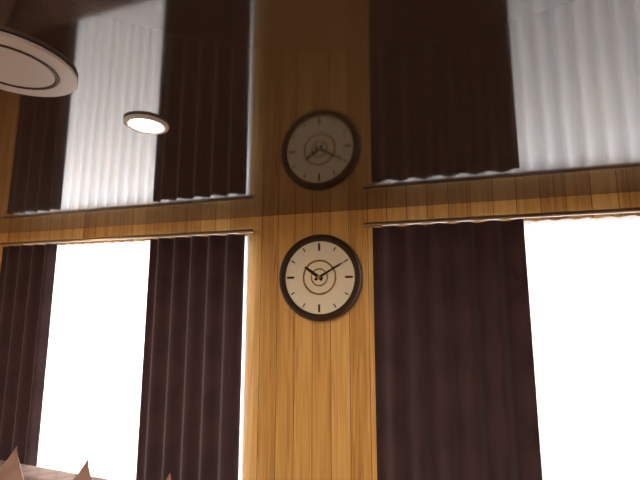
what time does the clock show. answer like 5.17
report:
10.10
